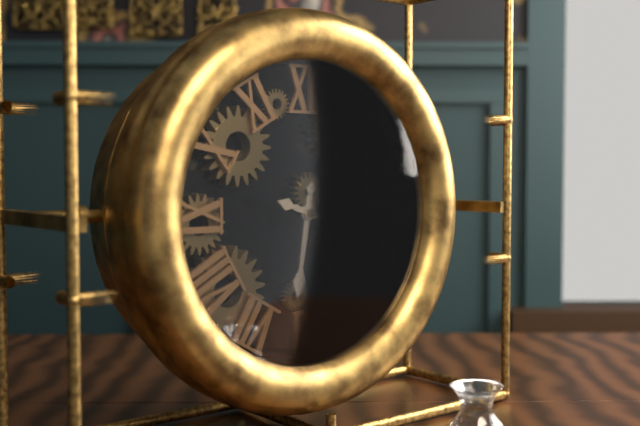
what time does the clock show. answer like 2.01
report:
6.18
